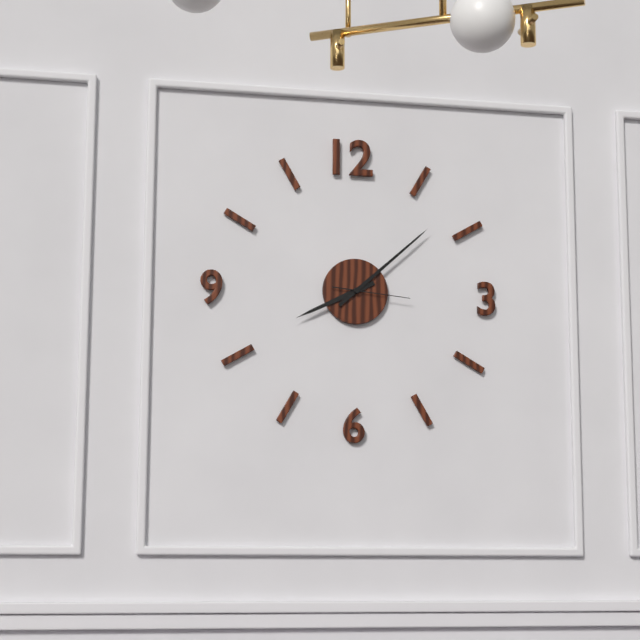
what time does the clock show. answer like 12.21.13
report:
8.08.16
